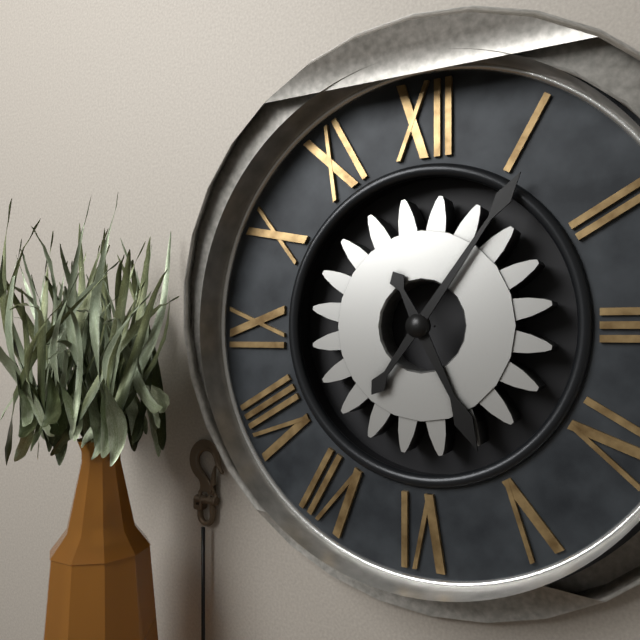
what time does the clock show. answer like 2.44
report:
5.06
